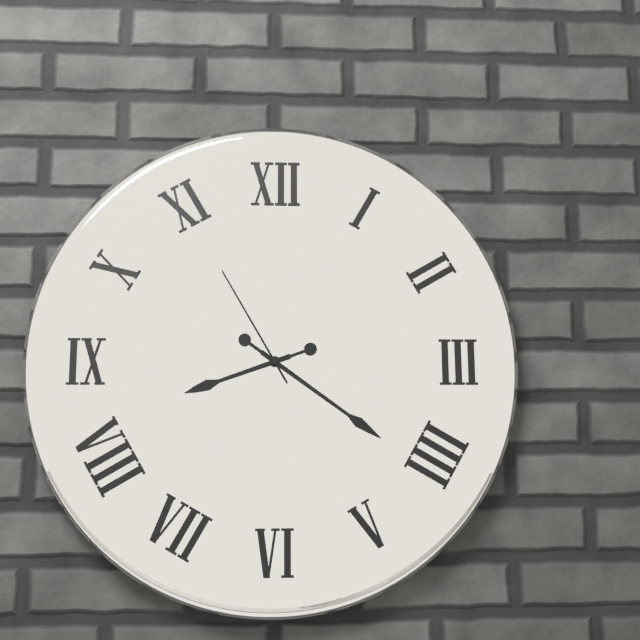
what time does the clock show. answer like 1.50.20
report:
8.21.55
